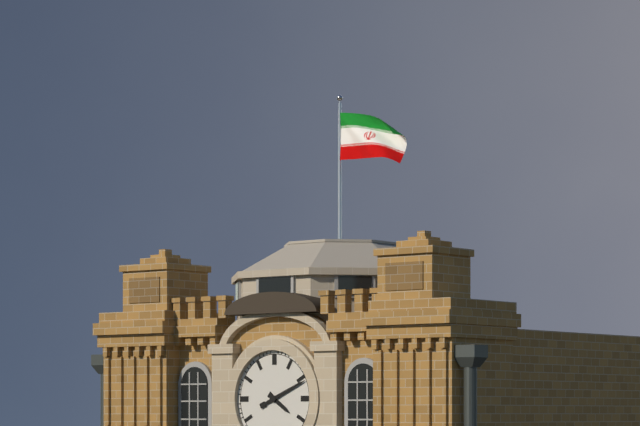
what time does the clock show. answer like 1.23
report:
4.11
